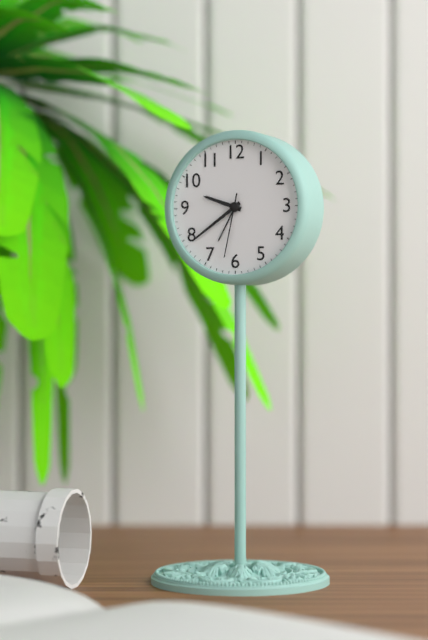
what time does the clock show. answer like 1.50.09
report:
9.39.32
